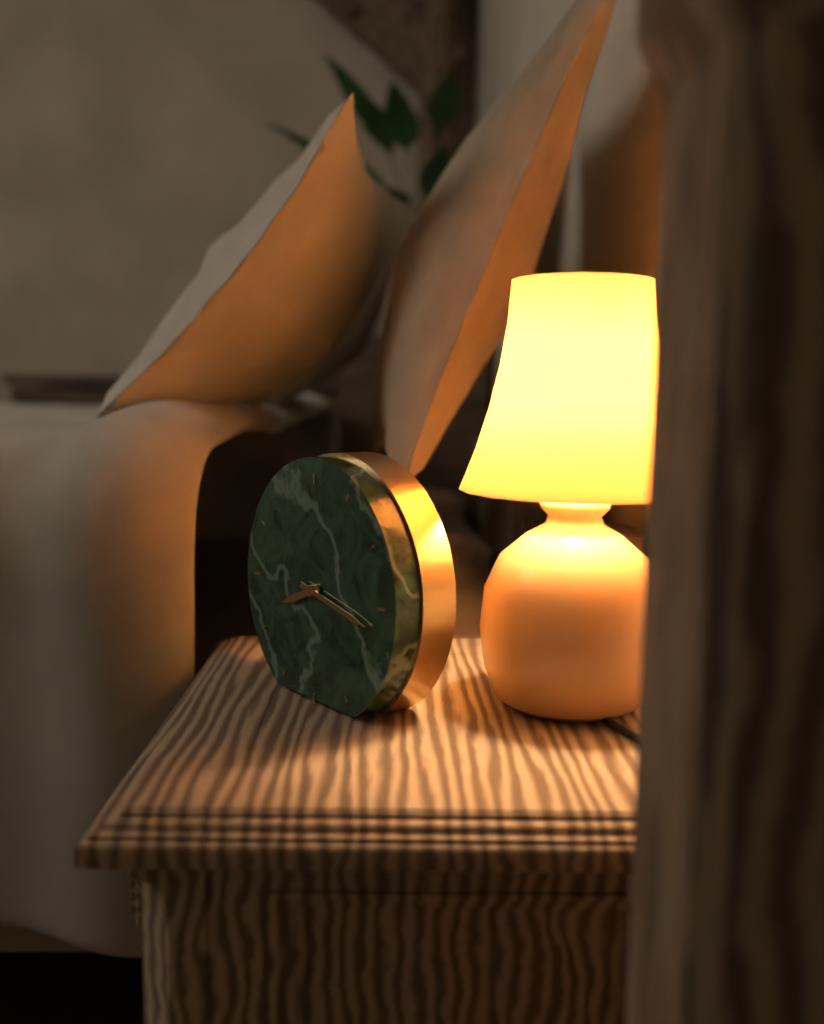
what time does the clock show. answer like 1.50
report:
8.17
